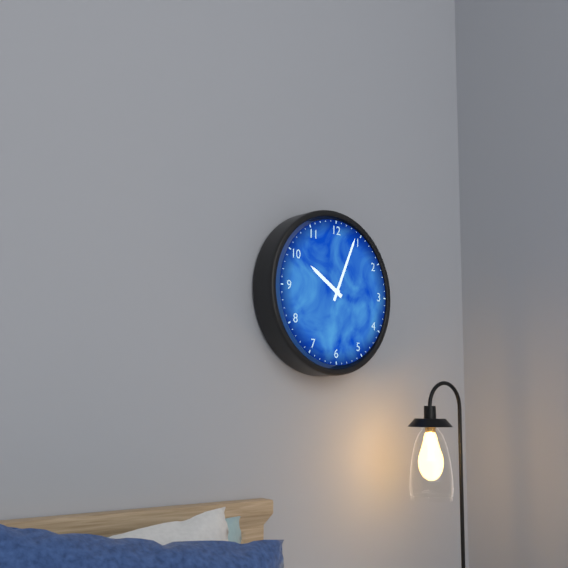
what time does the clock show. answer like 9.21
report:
10.04
